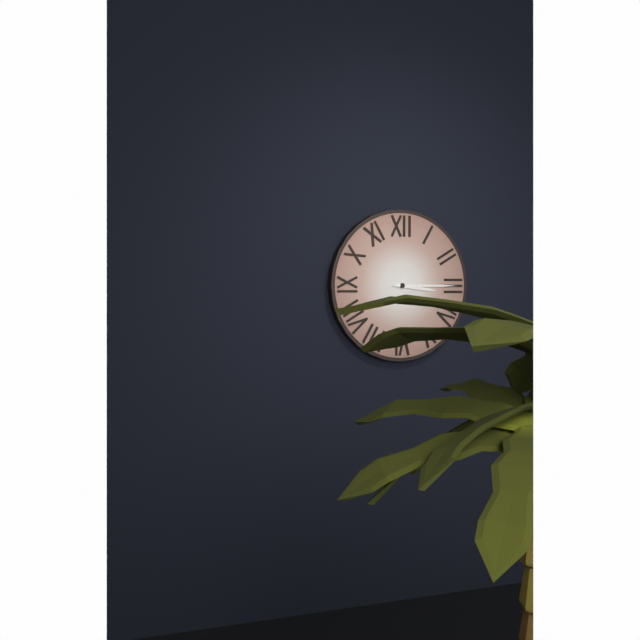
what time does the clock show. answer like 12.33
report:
3.15
